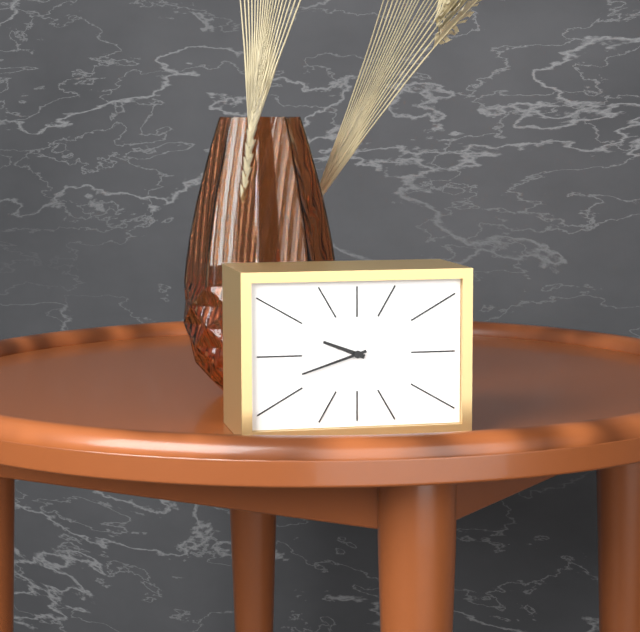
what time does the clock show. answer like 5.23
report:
9.42
